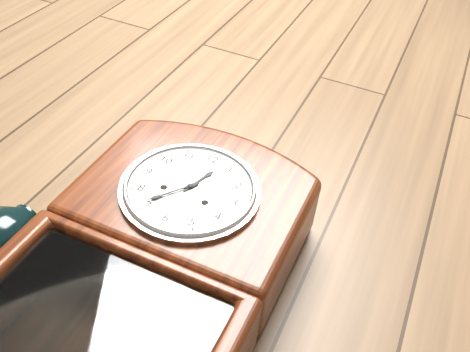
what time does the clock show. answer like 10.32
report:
12.36
